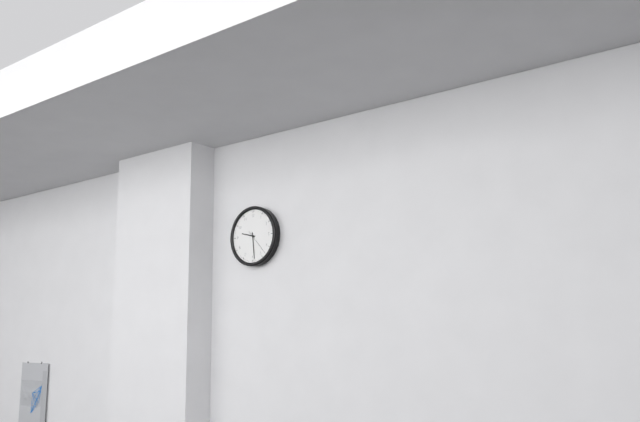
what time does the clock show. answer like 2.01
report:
9.29
